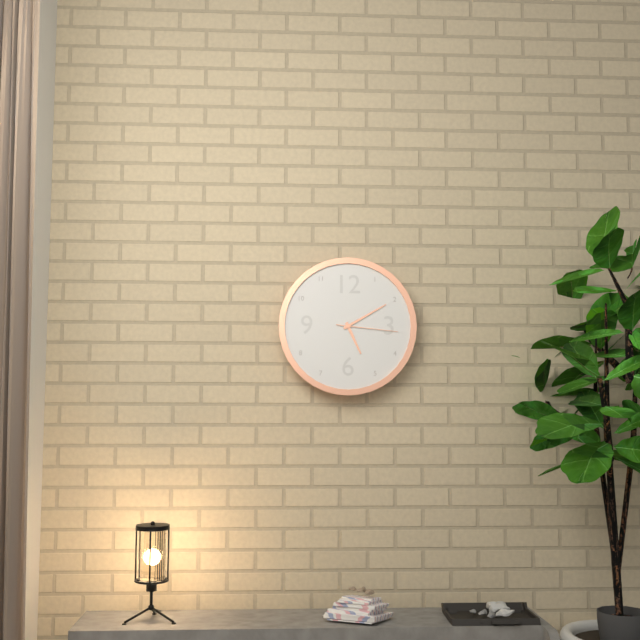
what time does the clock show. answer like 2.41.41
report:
5.10.16
